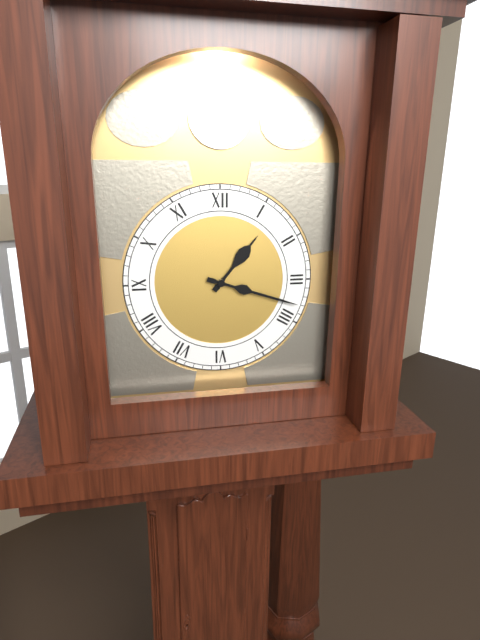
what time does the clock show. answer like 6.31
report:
1.18
